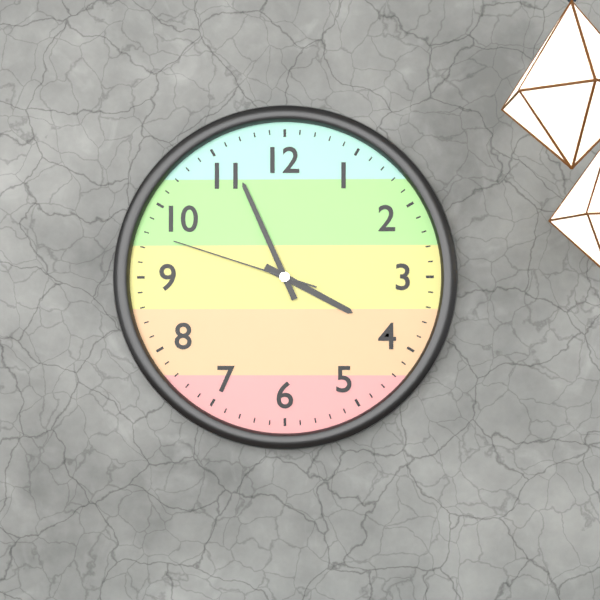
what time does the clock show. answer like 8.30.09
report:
3.56.48
